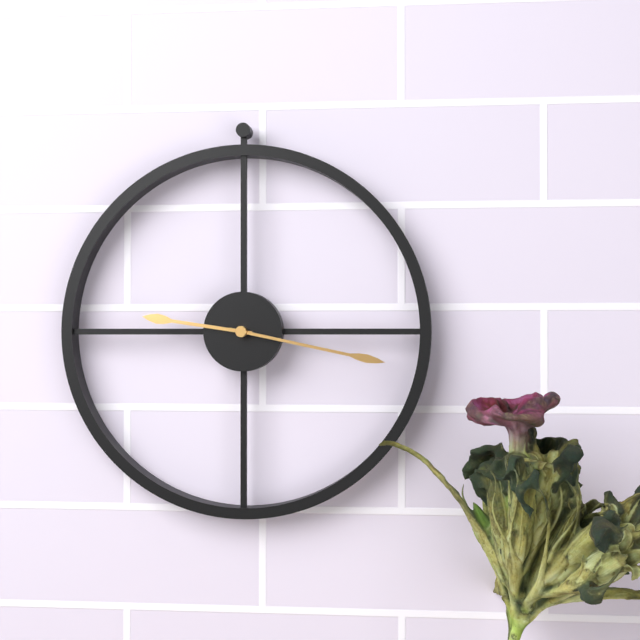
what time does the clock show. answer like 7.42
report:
9.17
